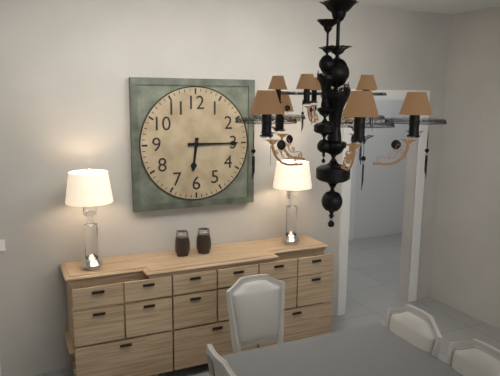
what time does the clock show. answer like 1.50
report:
6.15
